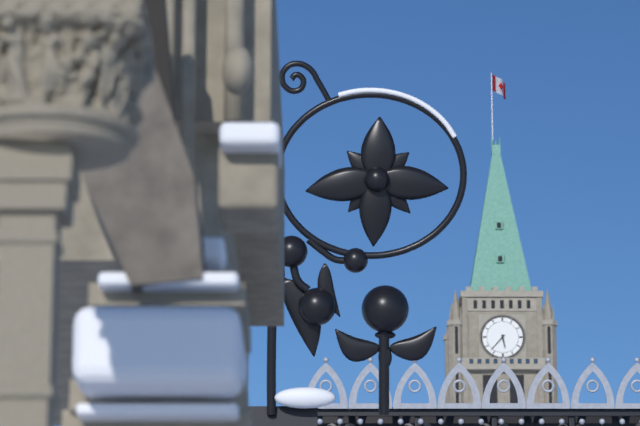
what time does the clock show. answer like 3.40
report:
5.37
